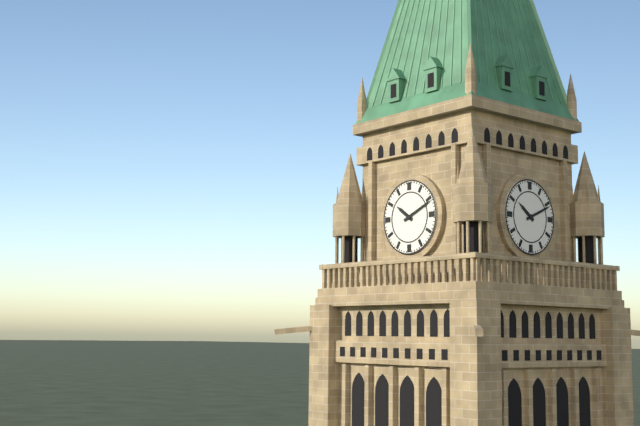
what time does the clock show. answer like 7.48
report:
10.11
